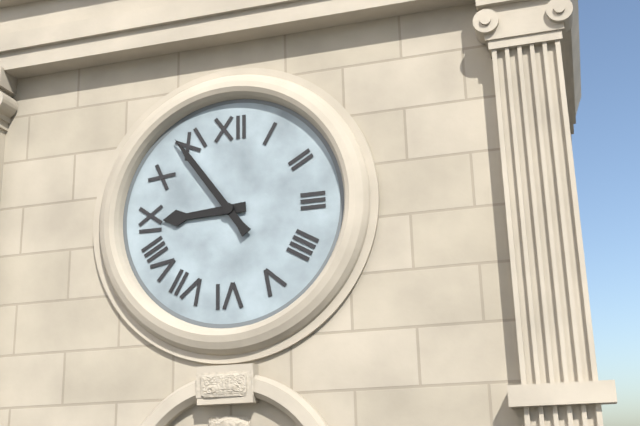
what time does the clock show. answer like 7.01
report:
8.54
